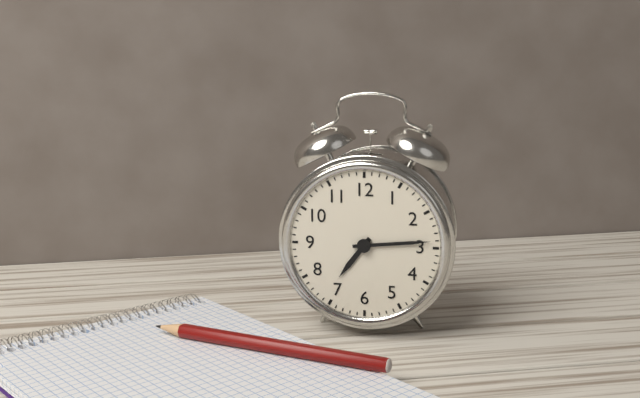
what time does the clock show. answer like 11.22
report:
7.14
